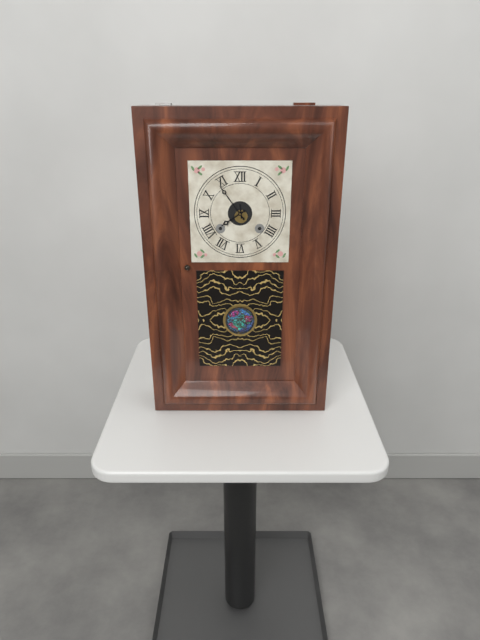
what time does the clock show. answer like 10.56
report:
7.54
